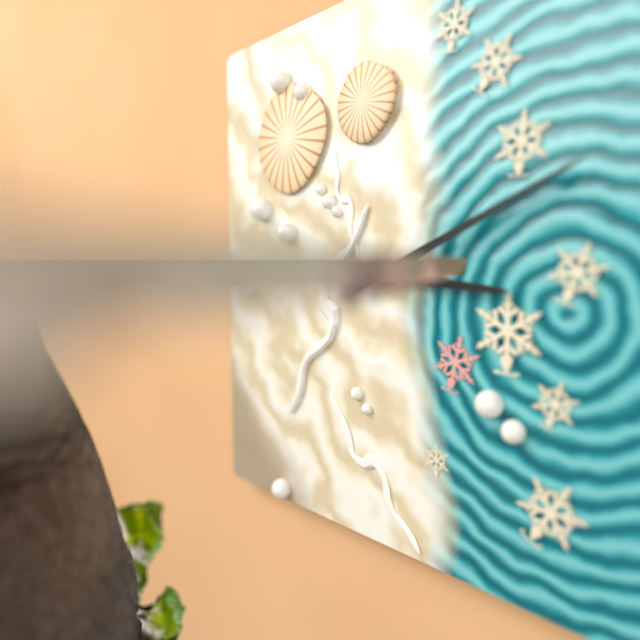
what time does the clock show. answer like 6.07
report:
3.11
